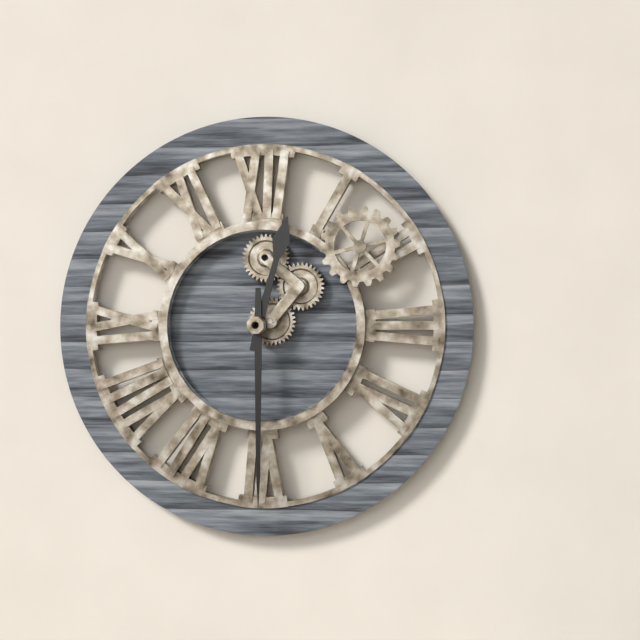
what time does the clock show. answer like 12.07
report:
12.30
